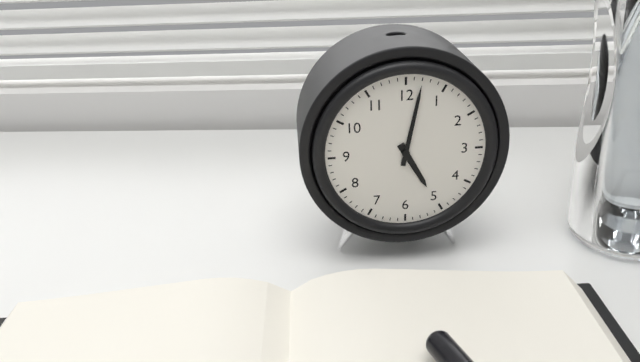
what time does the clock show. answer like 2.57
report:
5.02
